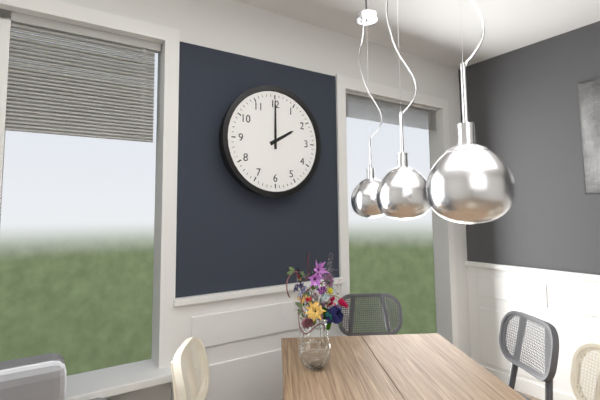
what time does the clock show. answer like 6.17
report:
2.00
